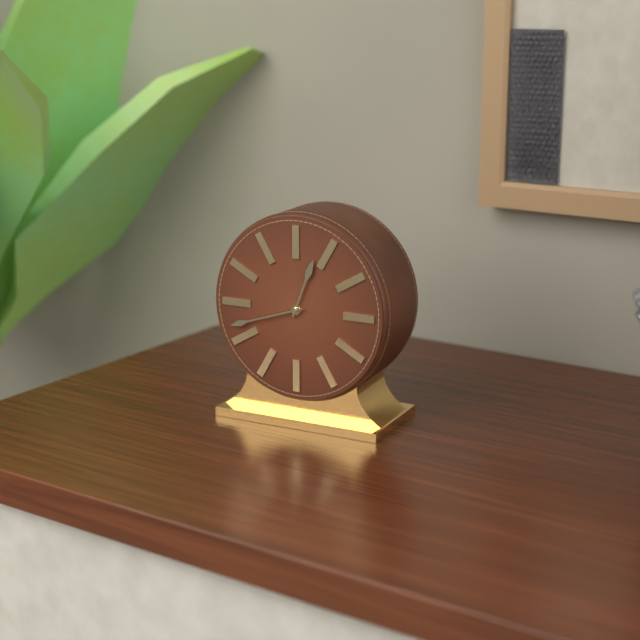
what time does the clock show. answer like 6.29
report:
12.42
